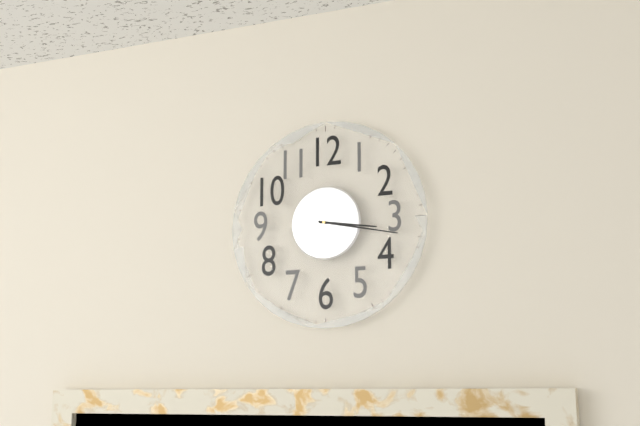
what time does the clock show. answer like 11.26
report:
3.17
